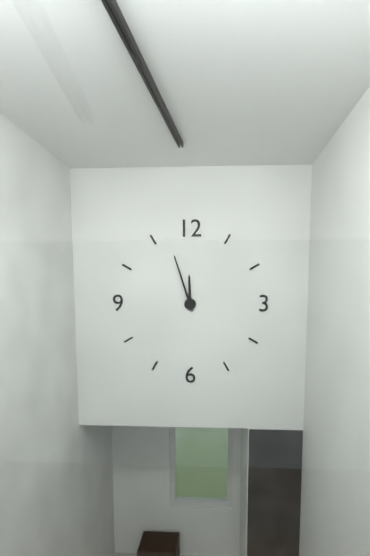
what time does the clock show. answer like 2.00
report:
11.57
